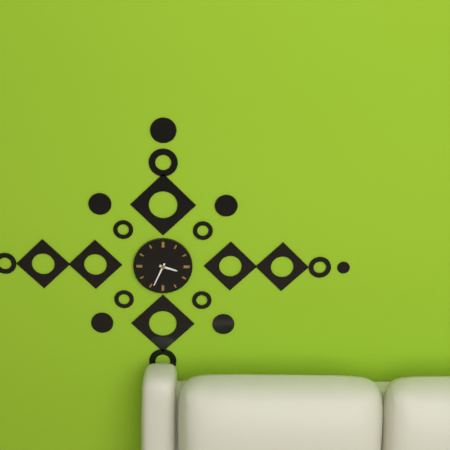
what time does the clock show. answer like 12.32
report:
3.34
